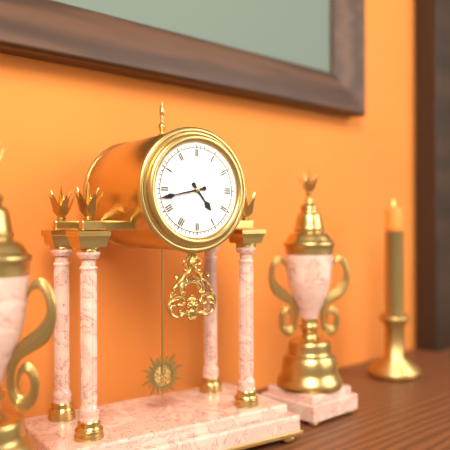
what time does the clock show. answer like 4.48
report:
4.43
